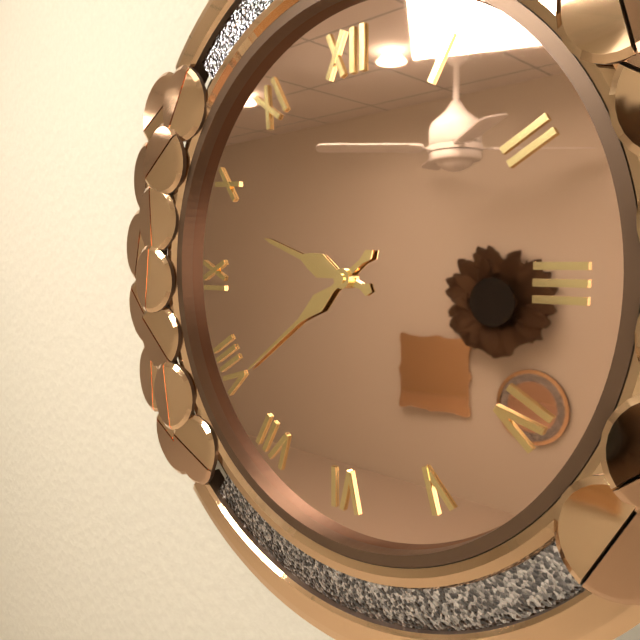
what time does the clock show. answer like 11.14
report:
9.39
